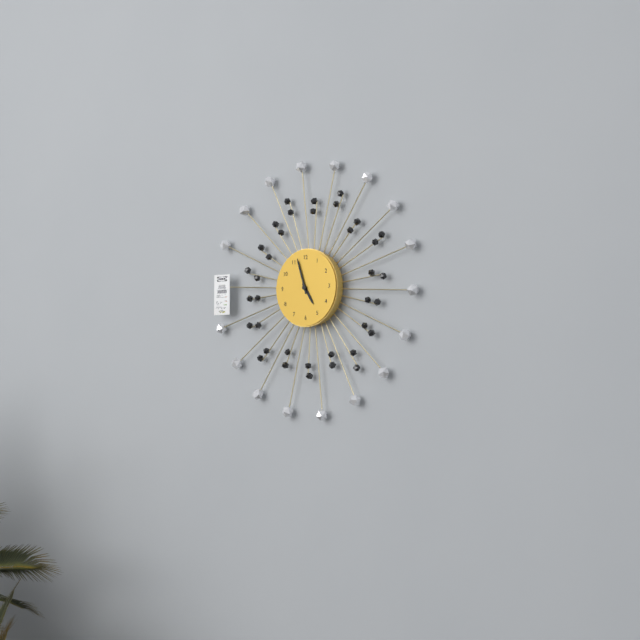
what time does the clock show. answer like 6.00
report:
4.57
